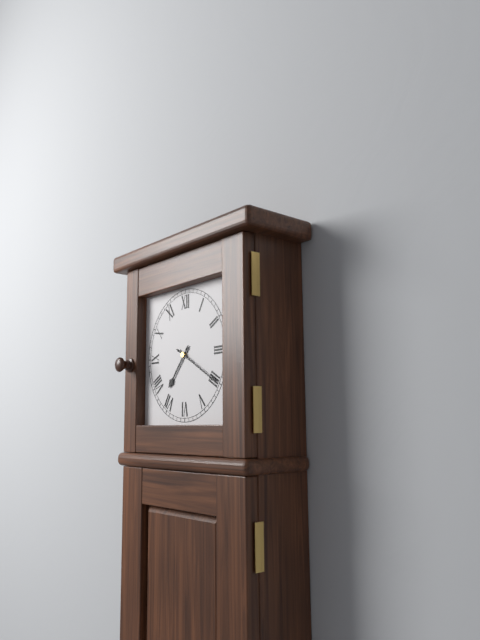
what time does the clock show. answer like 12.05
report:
7.20
